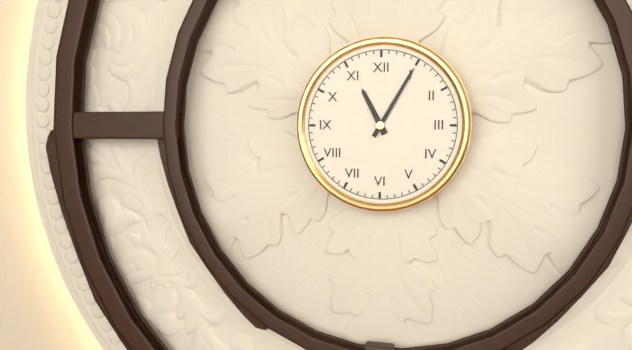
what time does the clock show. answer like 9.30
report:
11.05
